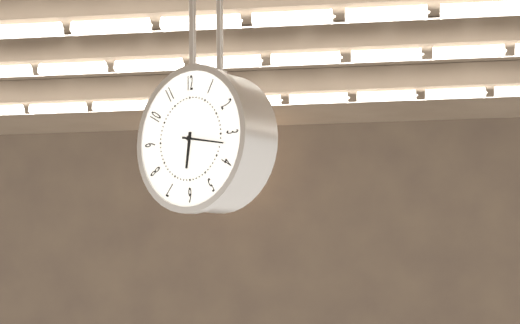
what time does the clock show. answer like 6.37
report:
6.17
